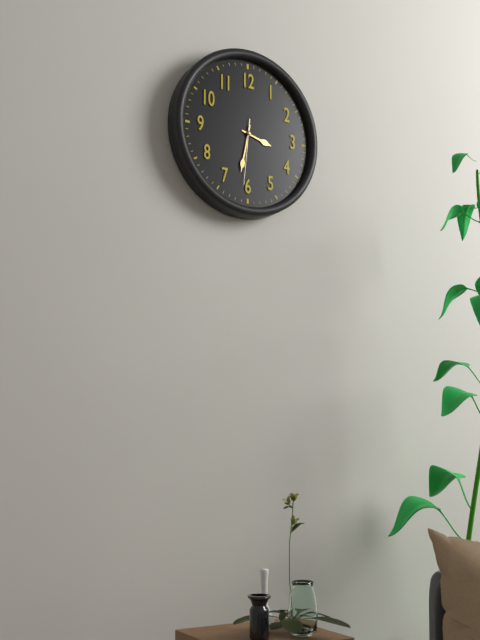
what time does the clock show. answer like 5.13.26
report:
3.32.31
